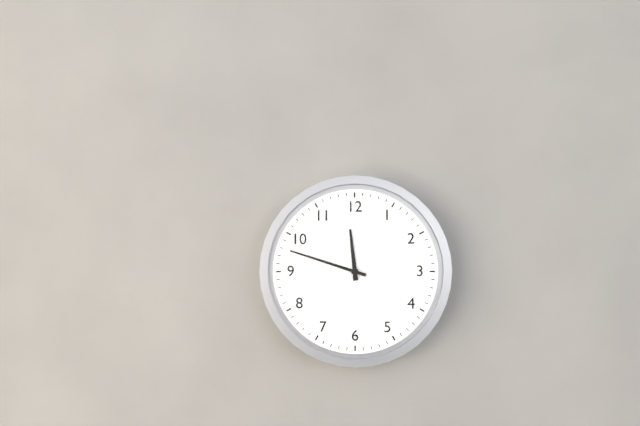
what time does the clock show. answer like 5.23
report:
11.48
